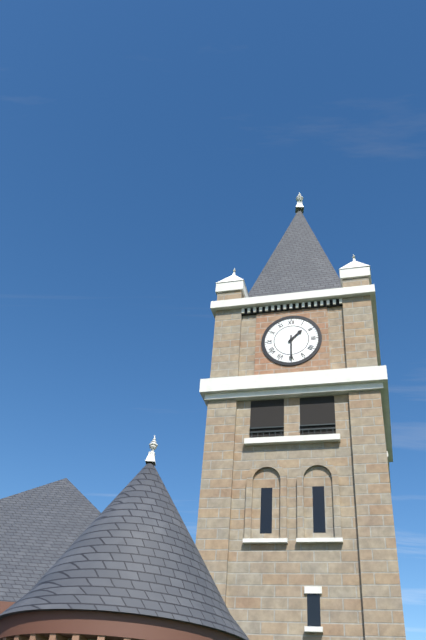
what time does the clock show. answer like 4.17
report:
1.30
